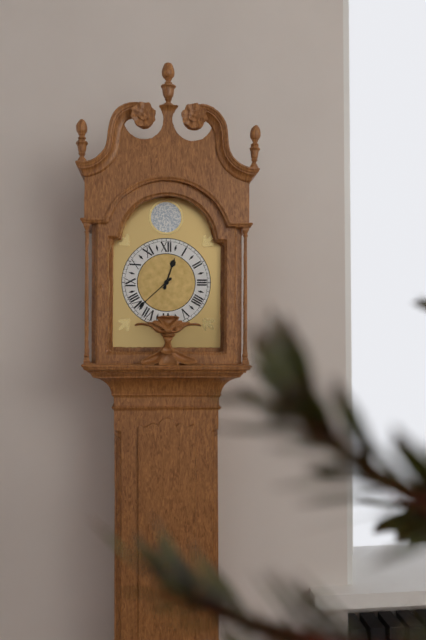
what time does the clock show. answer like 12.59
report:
12.38
